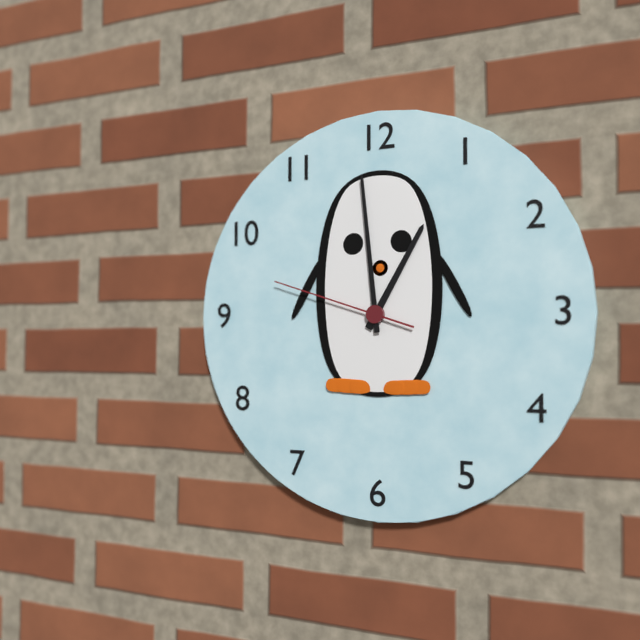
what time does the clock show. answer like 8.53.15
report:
12.59.48
